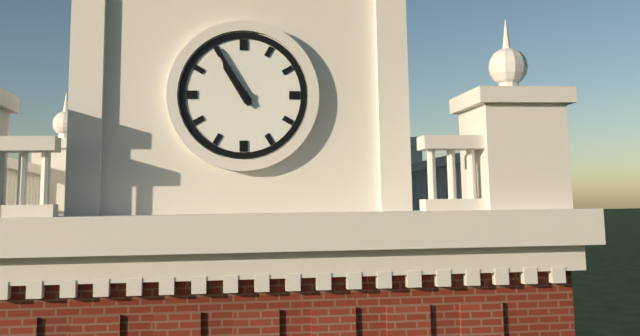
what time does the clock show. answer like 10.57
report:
10.55
